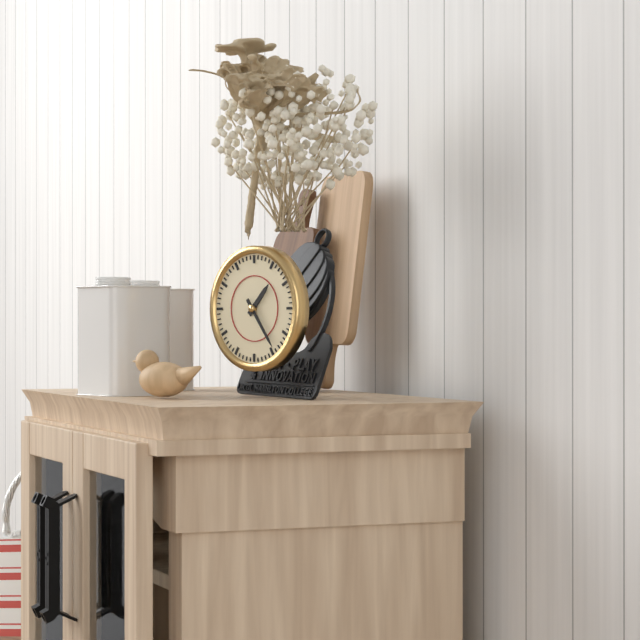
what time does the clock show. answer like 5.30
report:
1.24
